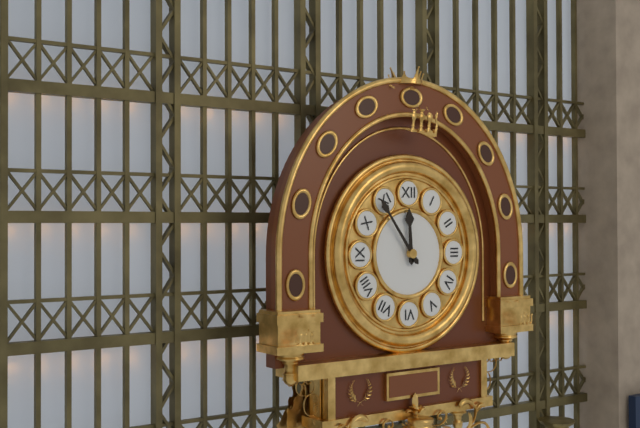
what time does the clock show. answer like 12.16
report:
11.54
